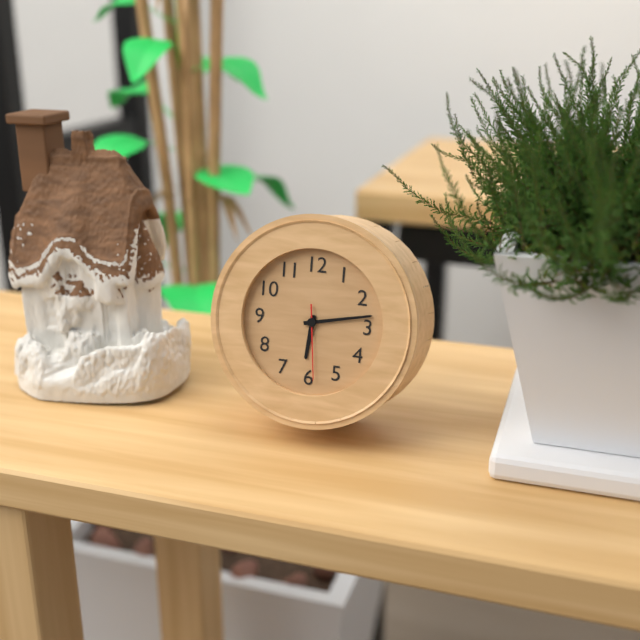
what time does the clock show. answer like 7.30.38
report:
6.13.29
